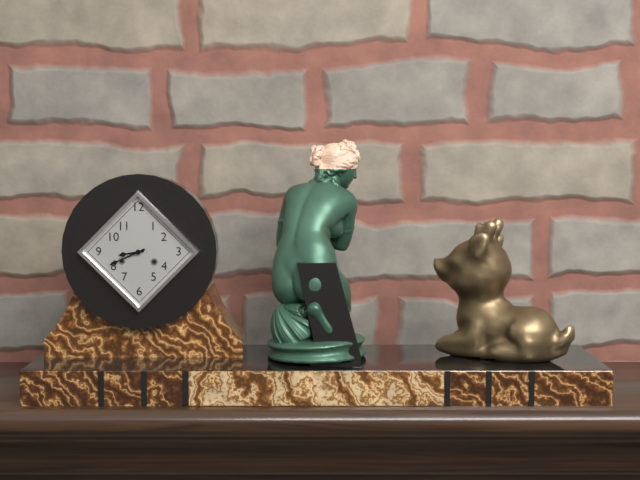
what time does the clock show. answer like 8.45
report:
8.41
